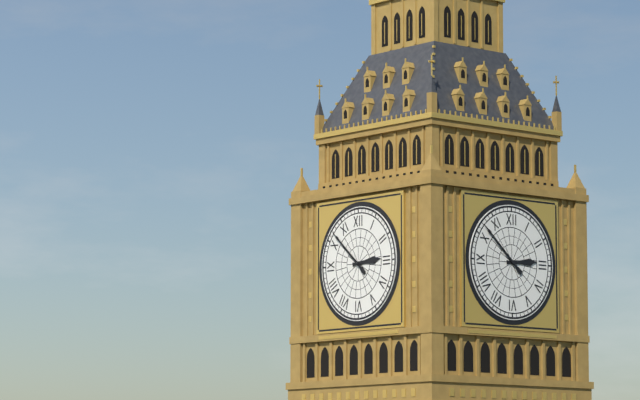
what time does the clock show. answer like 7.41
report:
2.52
